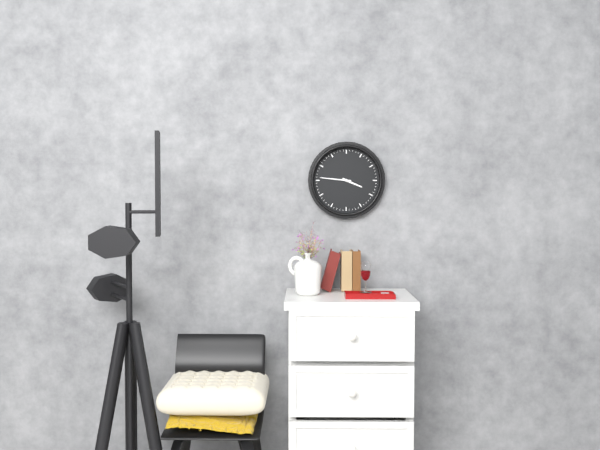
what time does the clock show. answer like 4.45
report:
3.46
